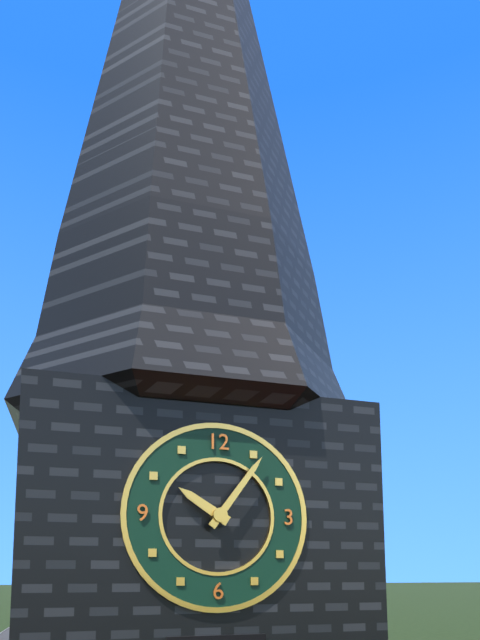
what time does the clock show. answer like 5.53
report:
10.06
